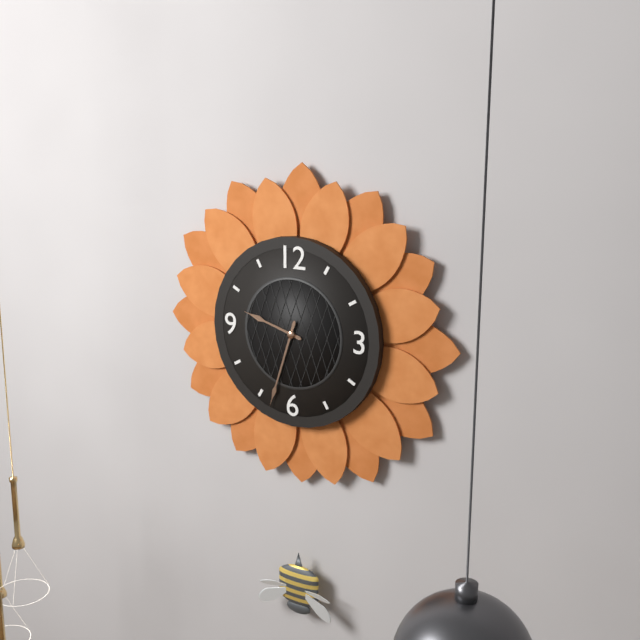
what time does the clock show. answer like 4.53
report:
9.33
